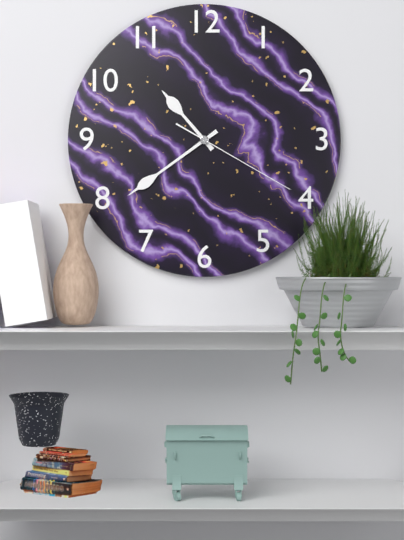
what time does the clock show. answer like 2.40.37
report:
10.39.20
